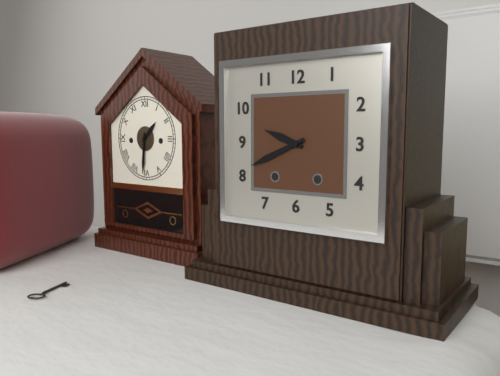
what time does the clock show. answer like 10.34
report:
9.41
